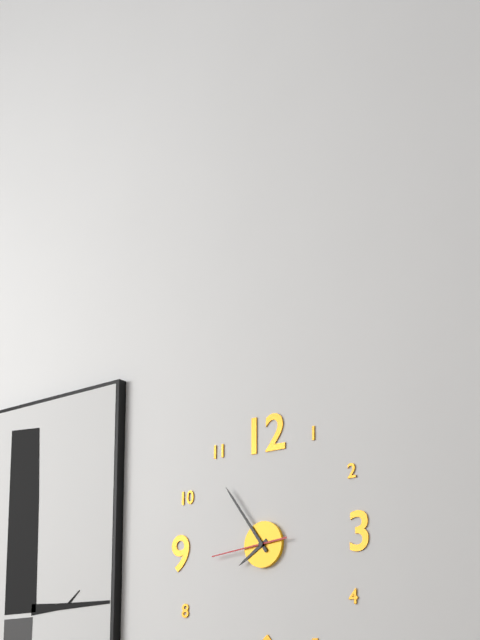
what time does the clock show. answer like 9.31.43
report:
7.54.44
